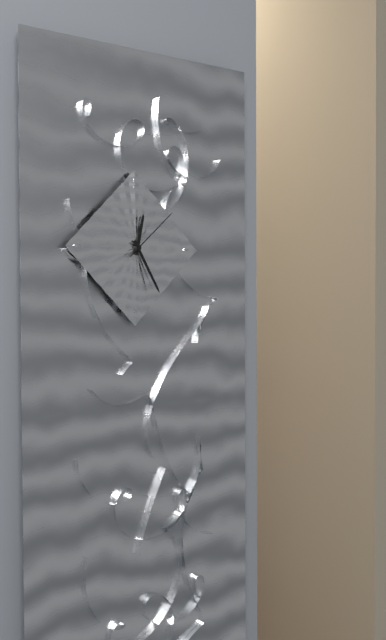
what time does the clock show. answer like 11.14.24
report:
12.25.08
